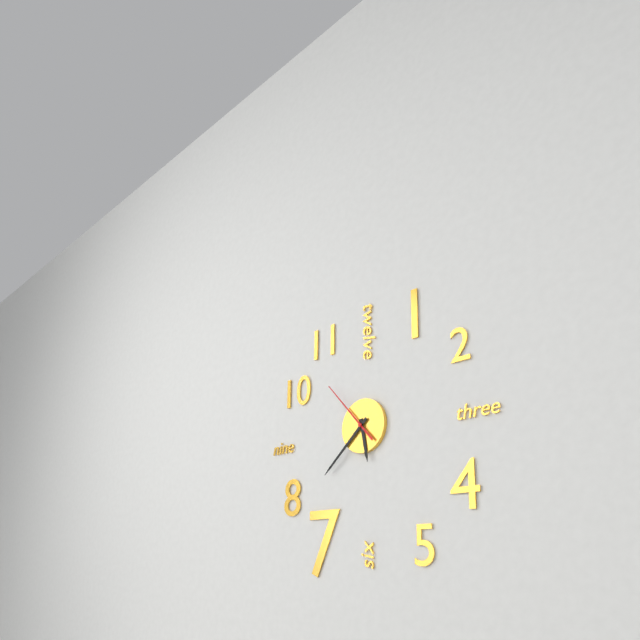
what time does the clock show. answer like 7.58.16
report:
5.38.53
